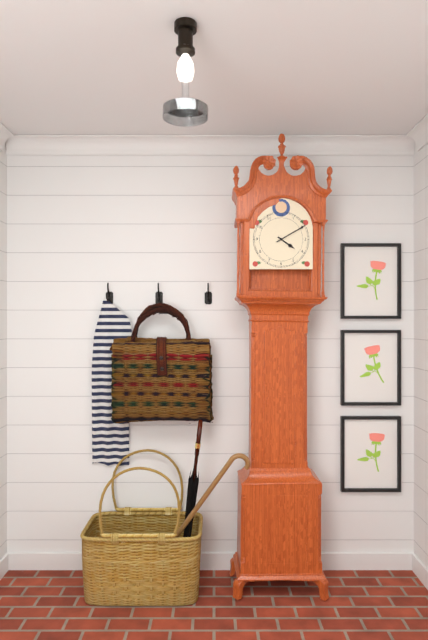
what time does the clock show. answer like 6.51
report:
4.10
